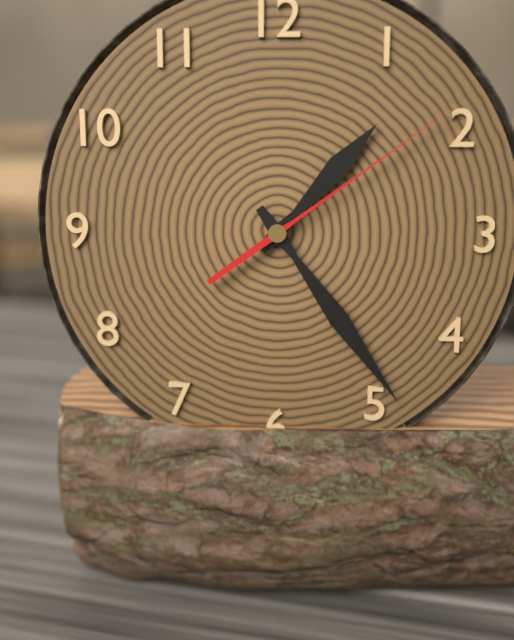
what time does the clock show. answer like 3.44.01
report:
1.24.09
